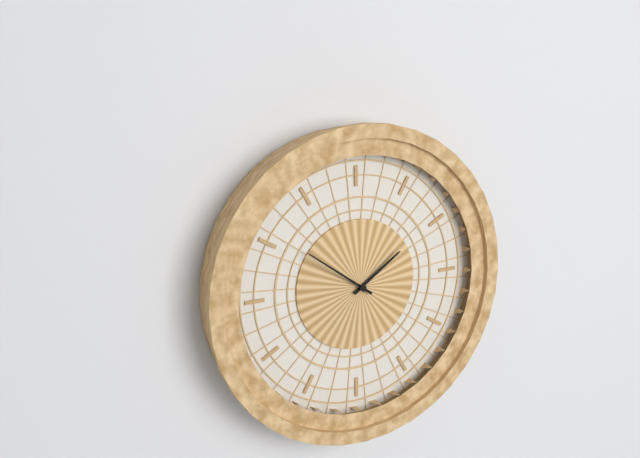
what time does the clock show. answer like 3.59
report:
1.51
